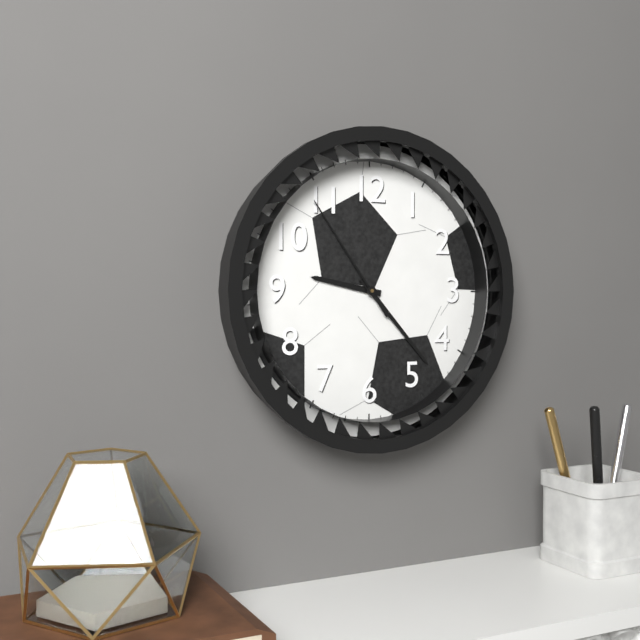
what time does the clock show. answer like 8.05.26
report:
9.23.54
